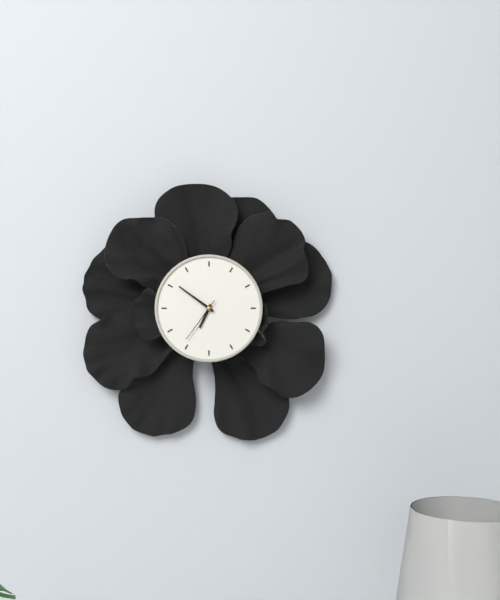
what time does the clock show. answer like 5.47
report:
6.51
